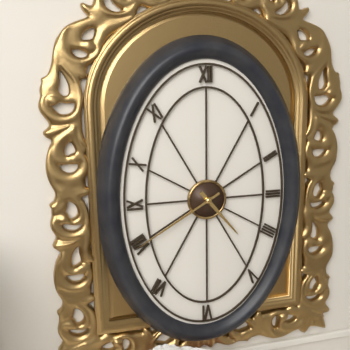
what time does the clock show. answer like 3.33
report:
4.40
